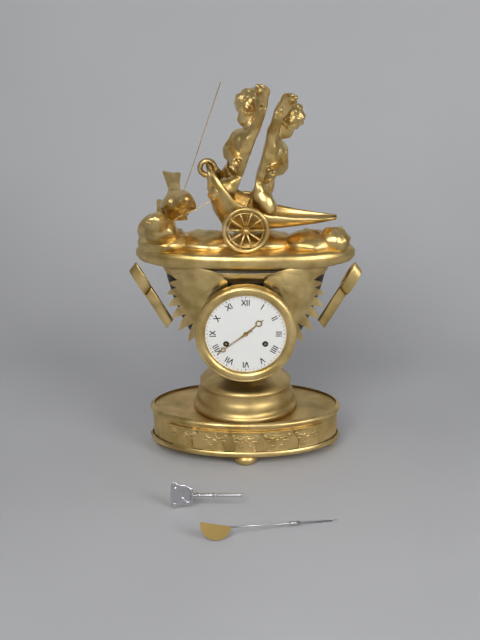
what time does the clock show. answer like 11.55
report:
1.39
